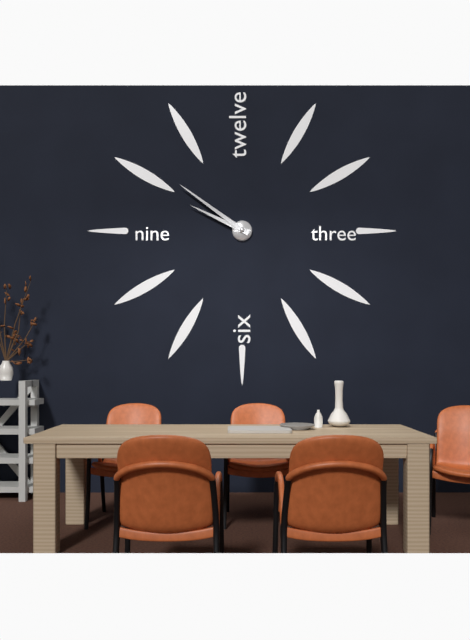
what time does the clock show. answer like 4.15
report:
9.51
